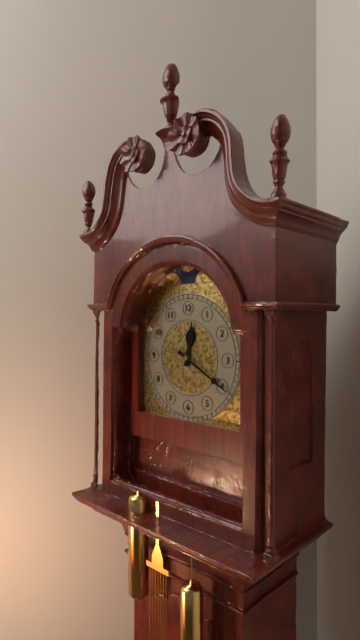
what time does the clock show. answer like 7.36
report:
12.20
